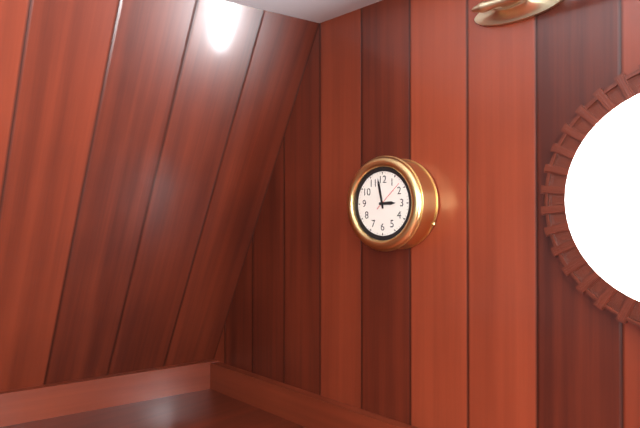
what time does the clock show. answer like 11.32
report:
2.58
